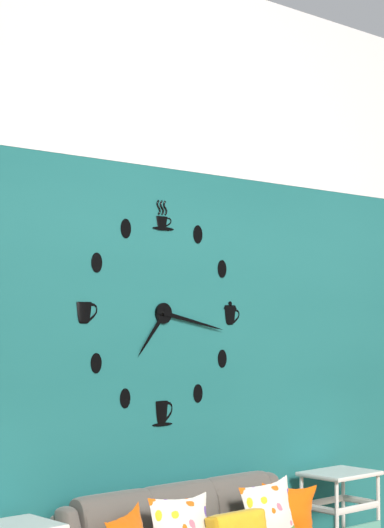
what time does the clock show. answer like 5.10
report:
7.17
